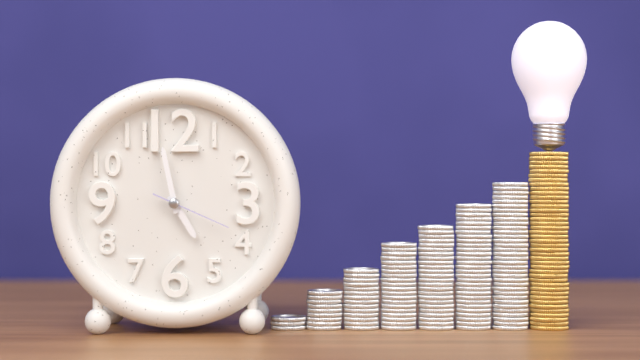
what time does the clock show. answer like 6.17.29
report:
4.58.19
